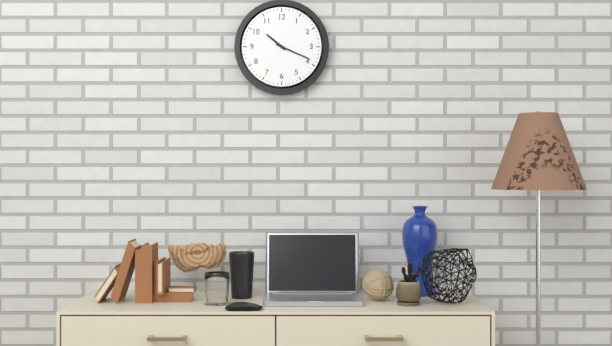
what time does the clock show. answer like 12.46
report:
10.19
